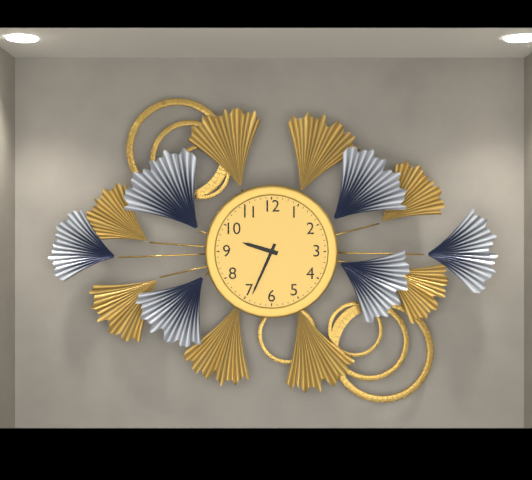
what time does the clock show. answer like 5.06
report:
9.34
